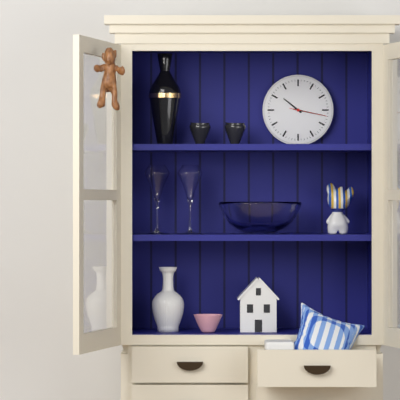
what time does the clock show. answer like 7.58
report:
10.17
